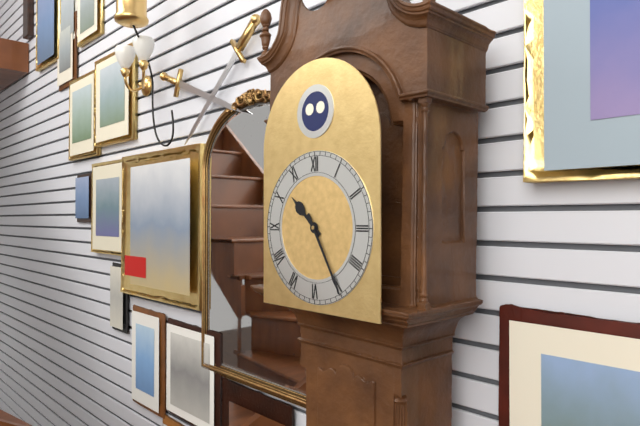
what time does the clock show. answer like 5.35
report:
10.25
